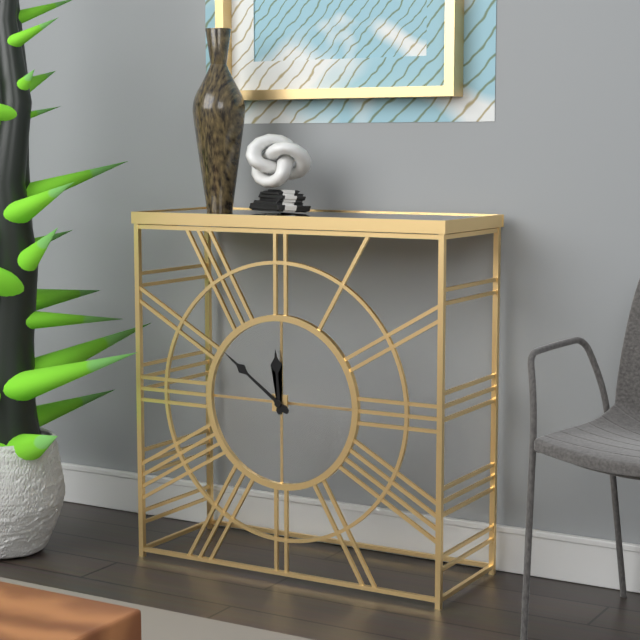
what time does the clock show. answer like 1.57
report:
11.51
